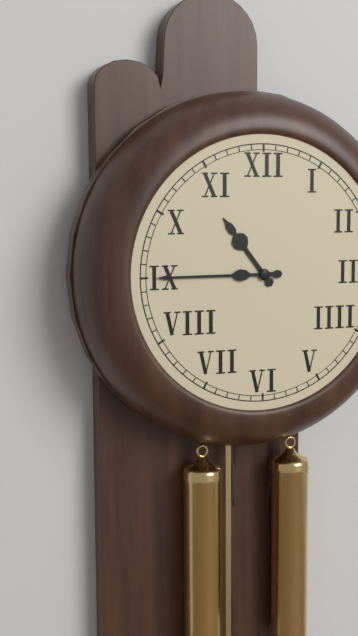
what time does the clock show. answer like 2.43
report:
10.45
